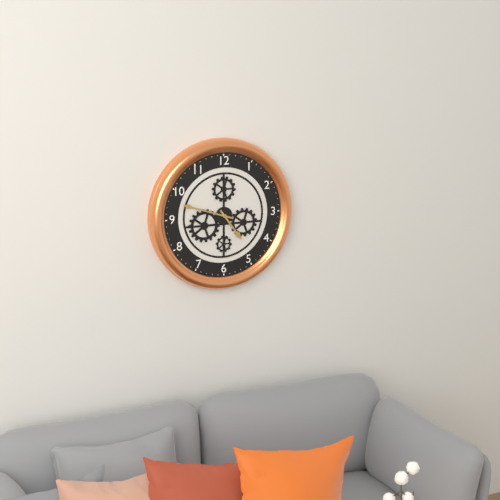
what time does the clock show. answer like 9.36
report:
4.48
